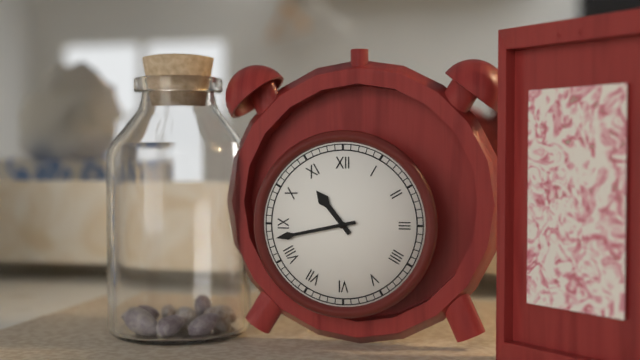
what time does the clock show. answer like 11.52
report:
10.43
